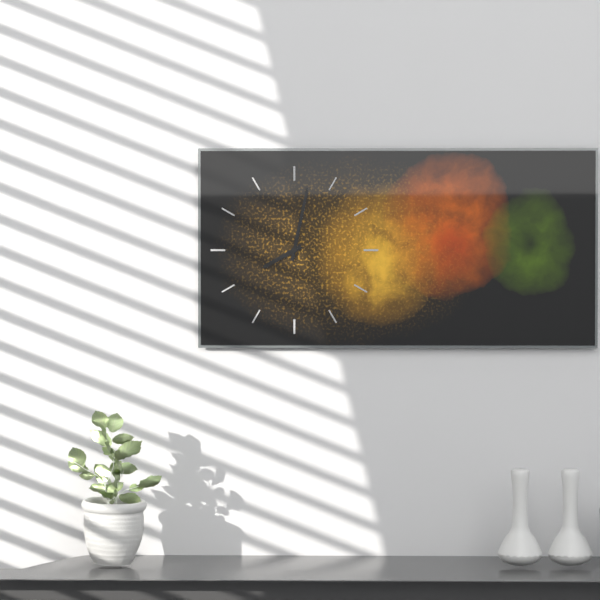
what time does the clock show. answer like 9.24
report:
8.02
